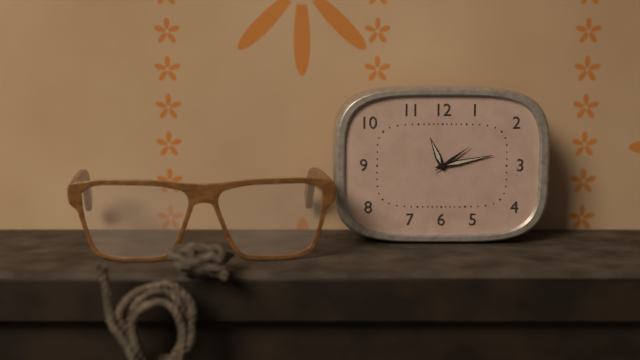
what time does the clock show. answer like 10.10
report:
11.13
